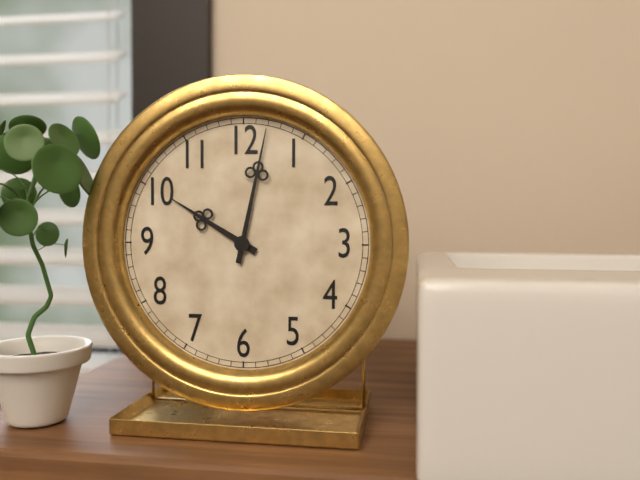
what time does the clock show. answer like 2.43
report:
10.02
